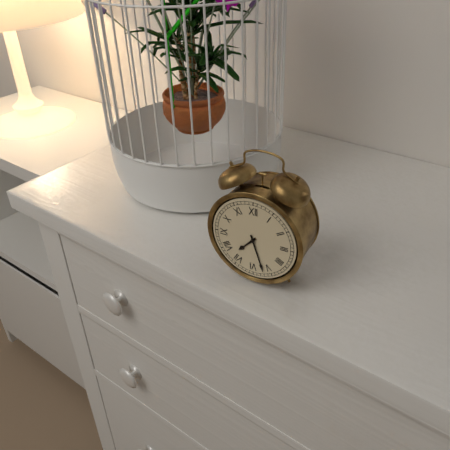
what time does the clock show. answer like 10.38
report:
7.27
